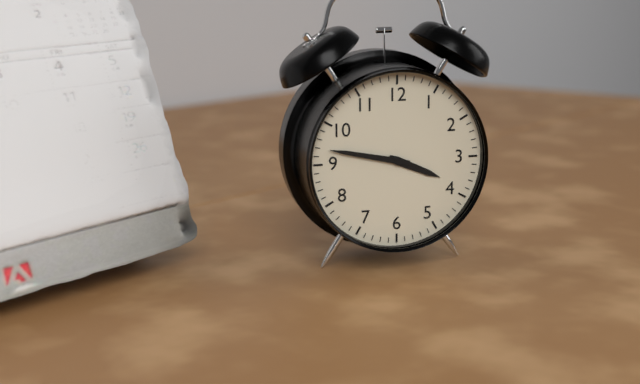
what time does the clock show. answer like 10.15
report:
3.47
